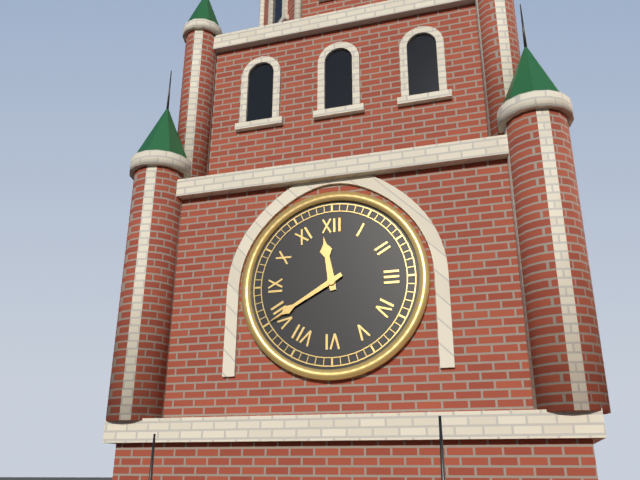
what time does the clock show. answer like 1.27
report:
11.40
